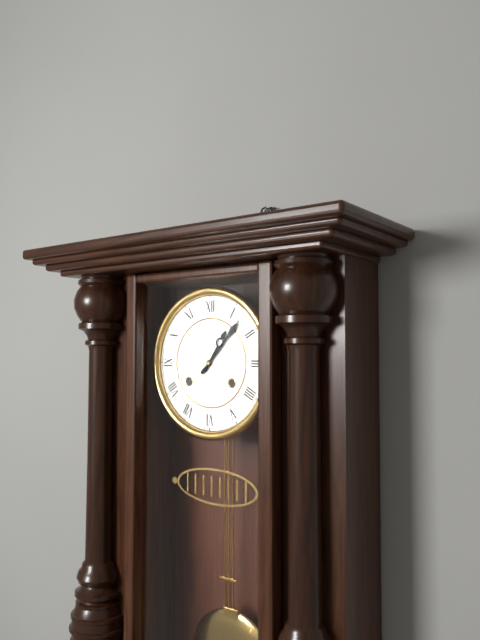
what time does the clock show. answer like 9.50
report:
1.07
